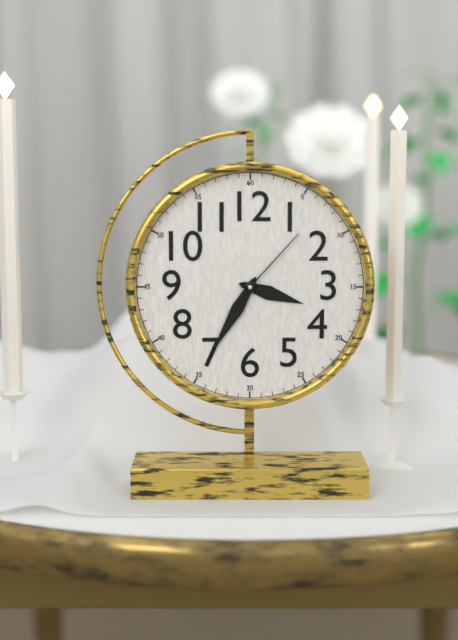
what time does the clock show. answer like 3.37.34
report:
3.35.07
